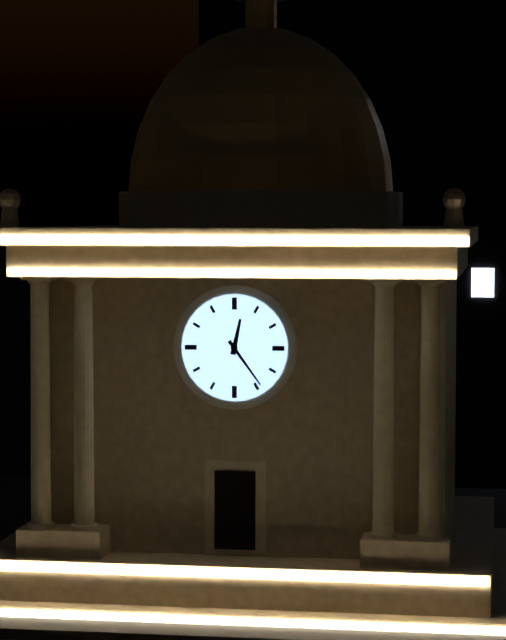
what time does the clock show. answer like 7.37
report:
12.24
